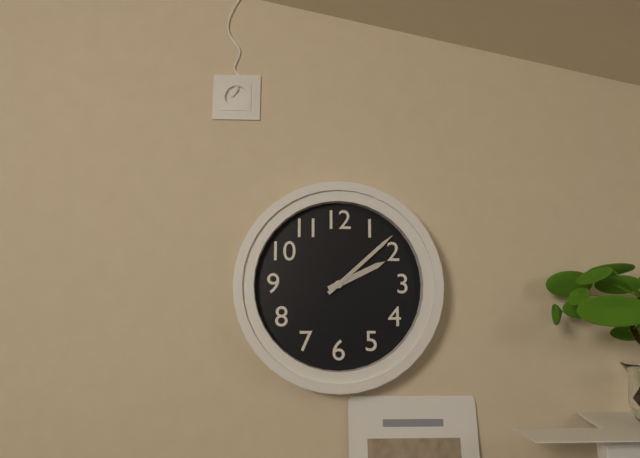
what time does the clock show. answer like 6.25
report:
2.08
